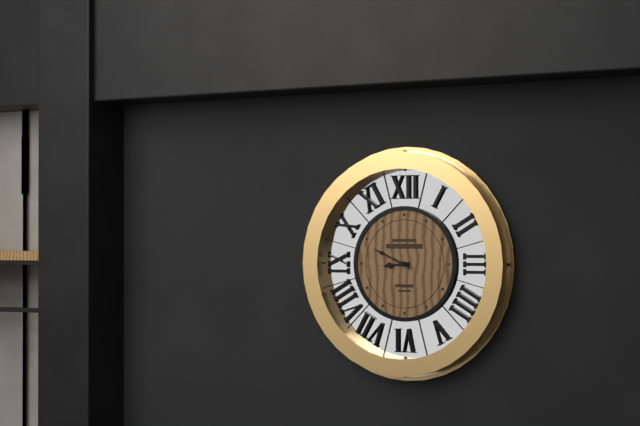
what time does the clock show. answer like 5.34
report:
8.49
